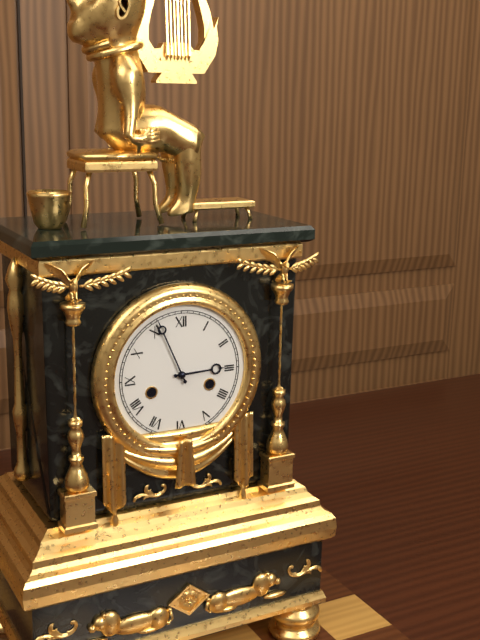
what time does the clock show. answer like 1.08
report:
2.56
